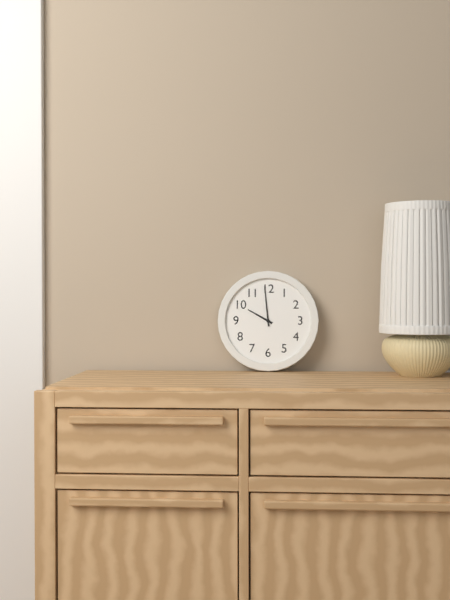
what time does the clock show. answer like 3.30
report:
9.59
